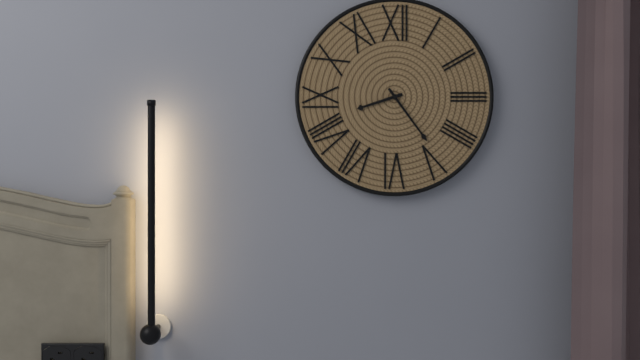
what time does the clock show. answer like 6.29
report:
8.24
